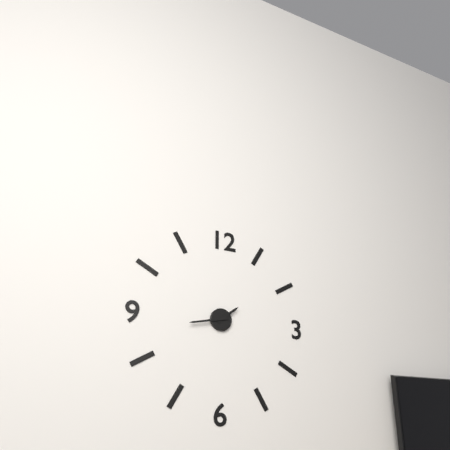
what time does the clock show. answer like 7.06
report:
1.43
